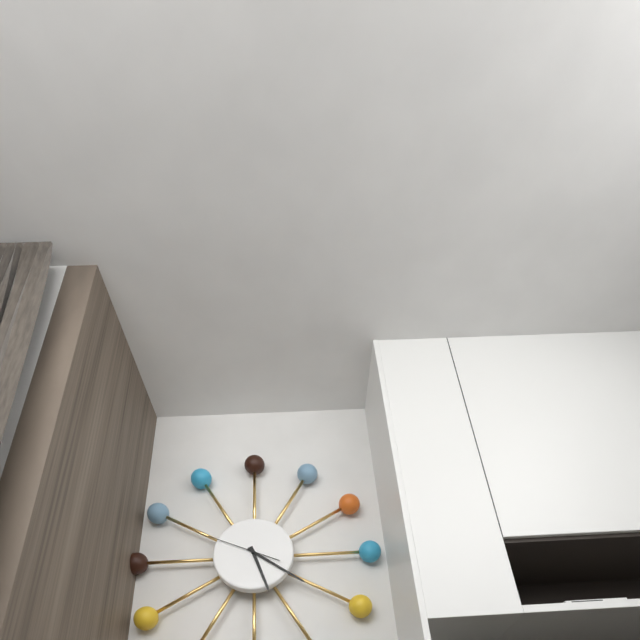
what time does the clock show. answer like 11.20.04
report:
5.21.49
